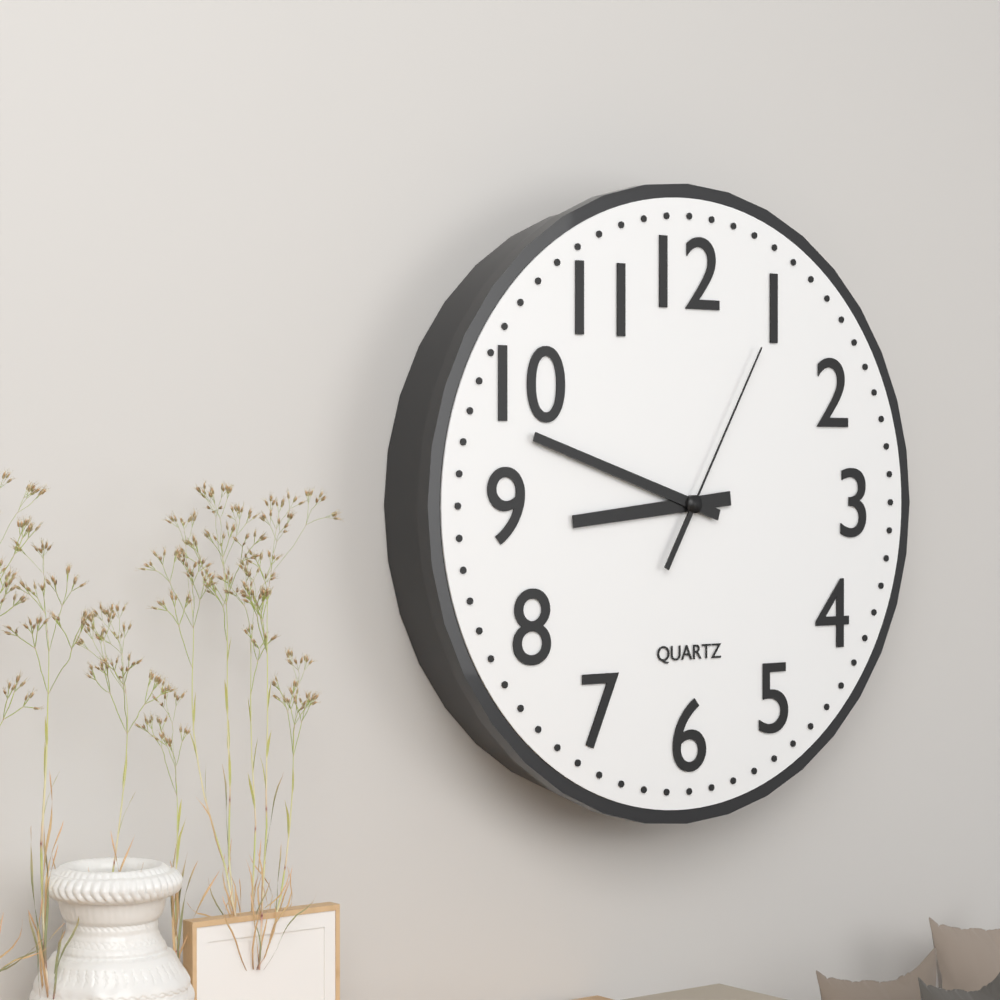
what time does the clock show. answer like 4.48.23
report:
8.48.05
